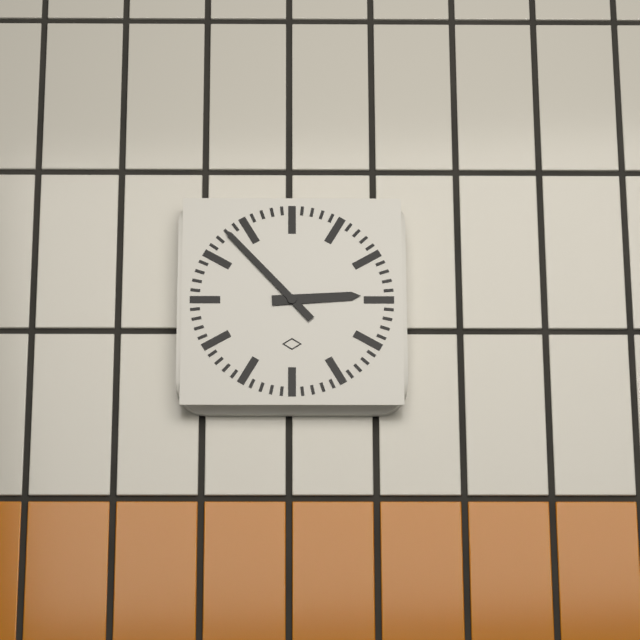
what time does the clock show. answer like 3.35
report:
2.53
